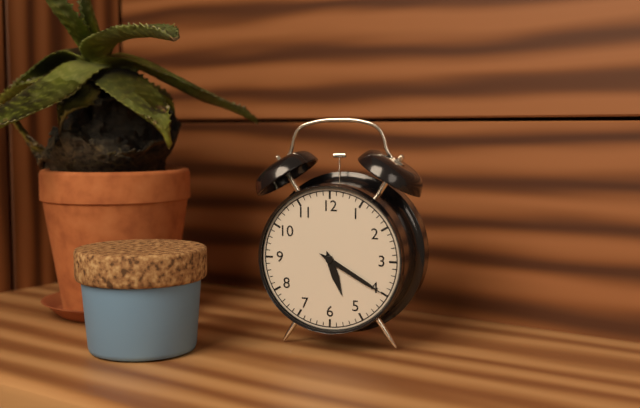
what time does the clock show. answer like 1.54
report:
5.20
